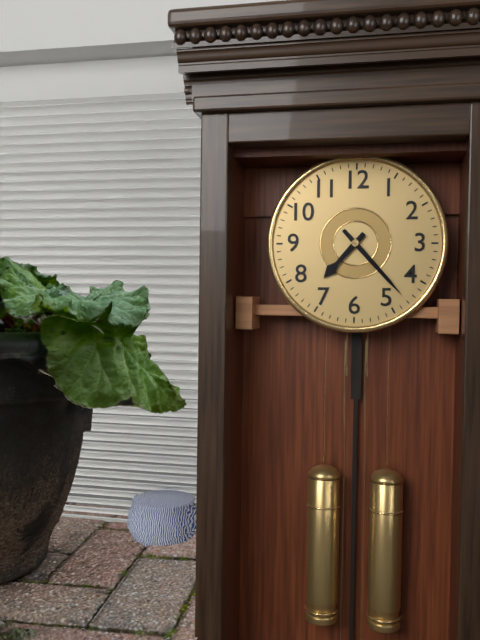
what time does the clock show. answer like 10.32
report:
7.23
